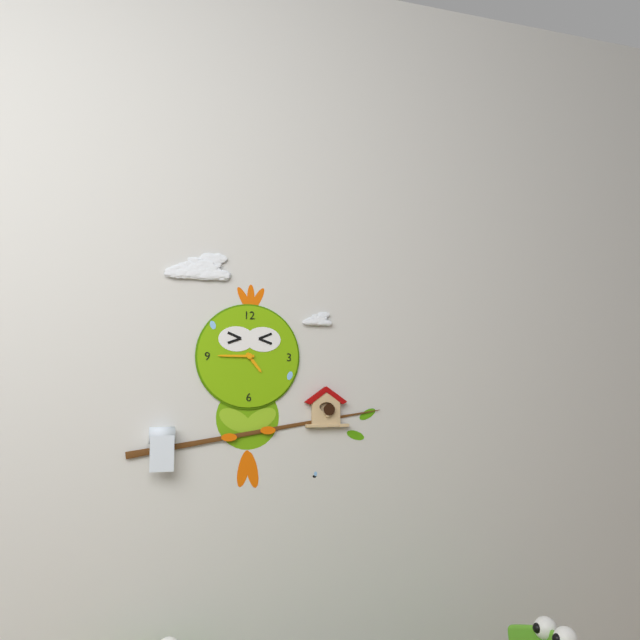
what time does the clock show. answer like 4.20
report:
4.45
